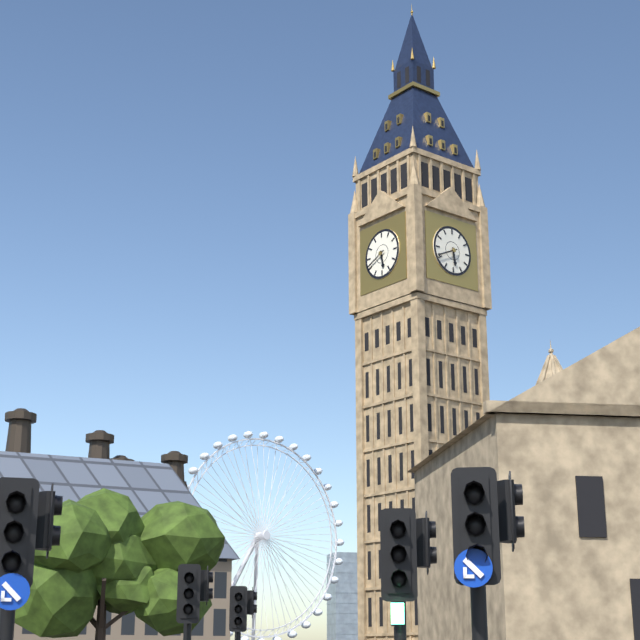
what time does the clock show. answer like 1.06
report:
5.41
